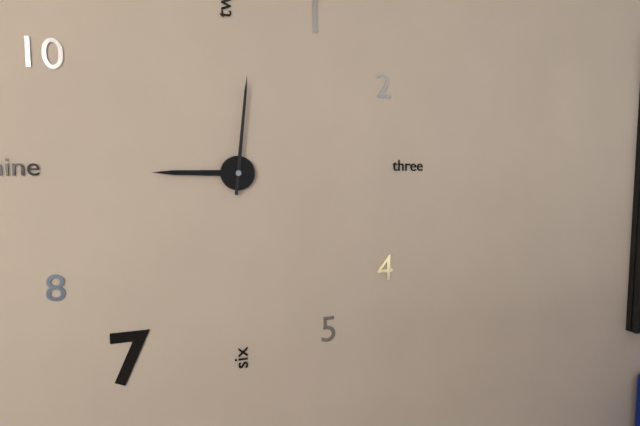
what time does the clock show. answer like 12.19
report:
9.01
